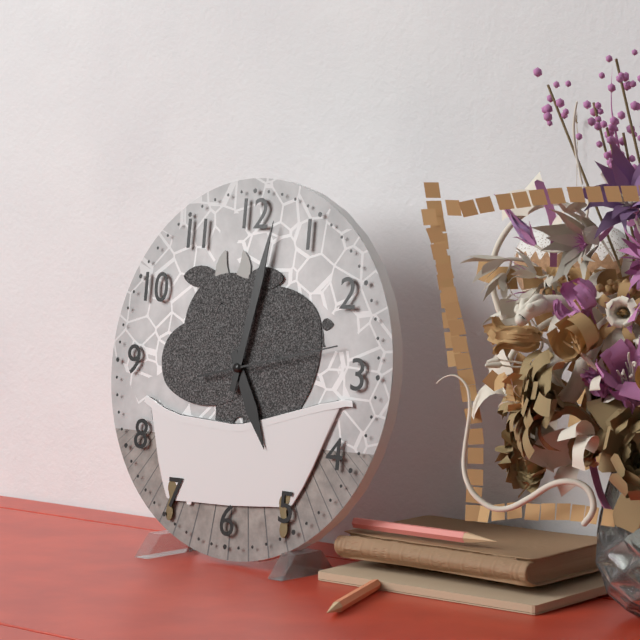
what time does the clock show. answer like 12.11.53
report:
5.02.13
